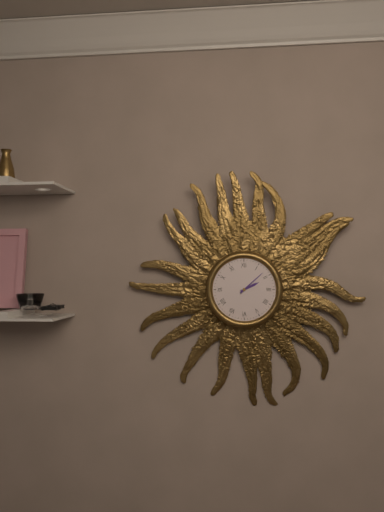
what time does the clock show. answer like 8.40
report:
2.08
